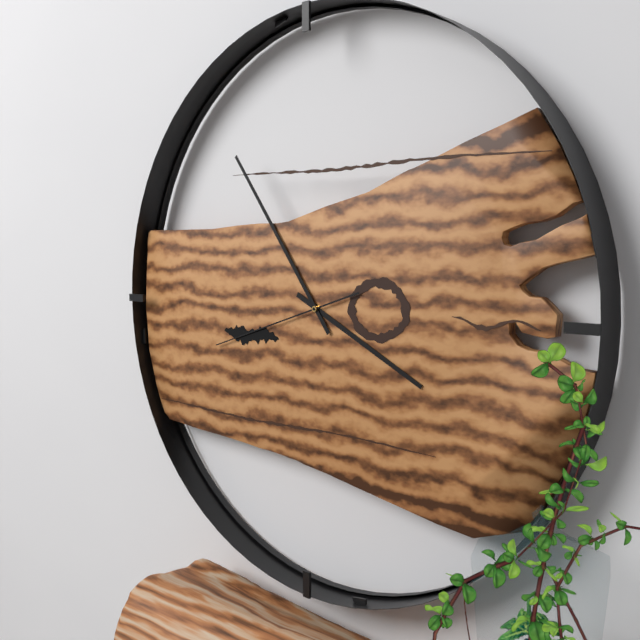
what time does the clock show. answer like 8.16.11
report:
3.54.42
